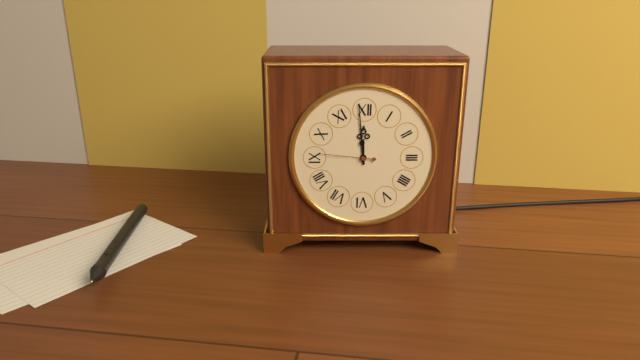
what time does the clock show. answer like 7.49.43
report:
11.59.46
